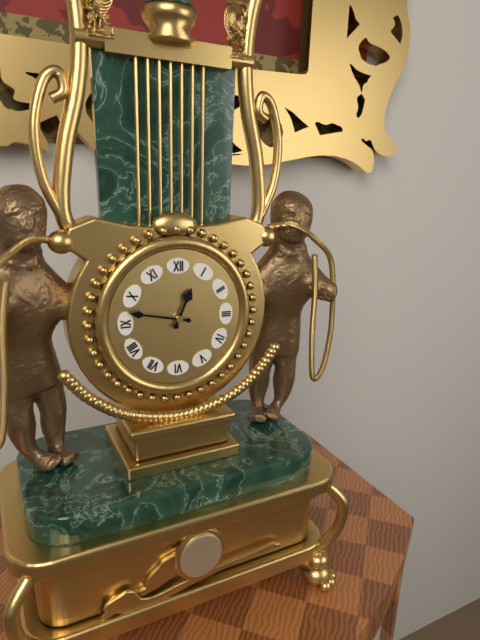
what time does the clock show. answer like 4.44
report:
12.47
